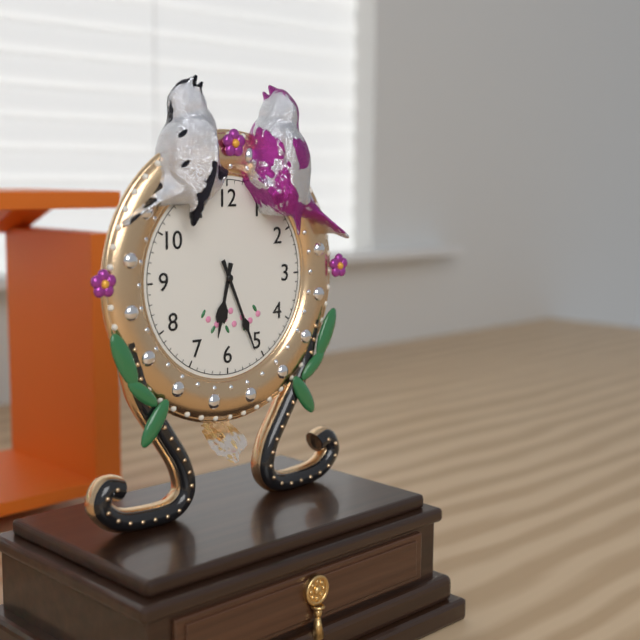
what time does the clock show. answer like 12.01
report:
6.26
